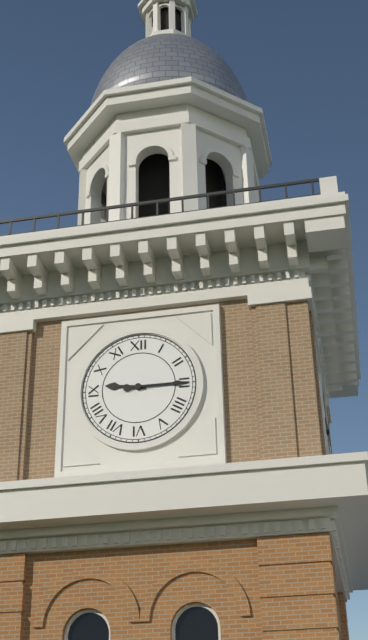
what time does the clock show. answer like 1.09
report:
9.15
